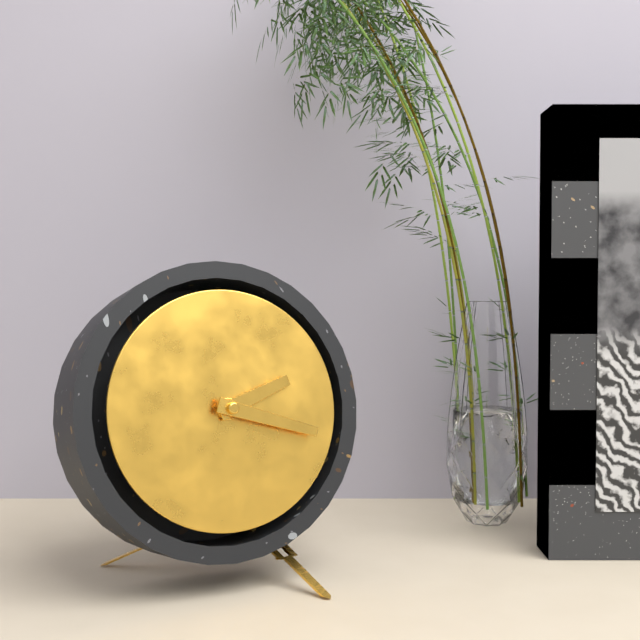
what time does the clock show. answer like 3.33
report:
2.18
